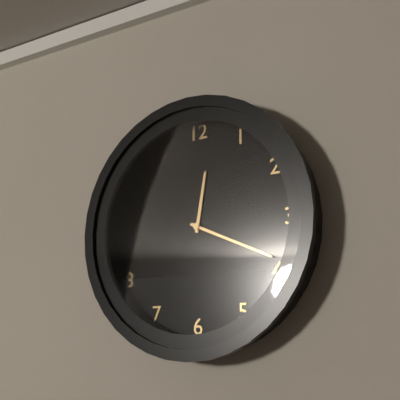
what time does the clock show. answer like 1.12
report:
12.19
